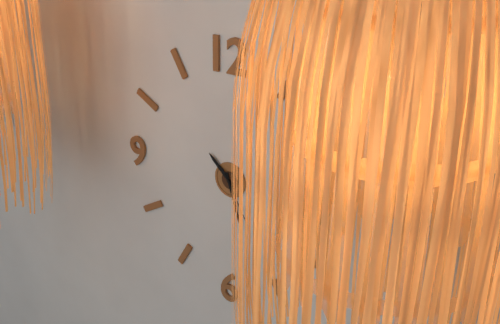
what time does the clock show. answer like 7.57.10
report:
10.27.25
